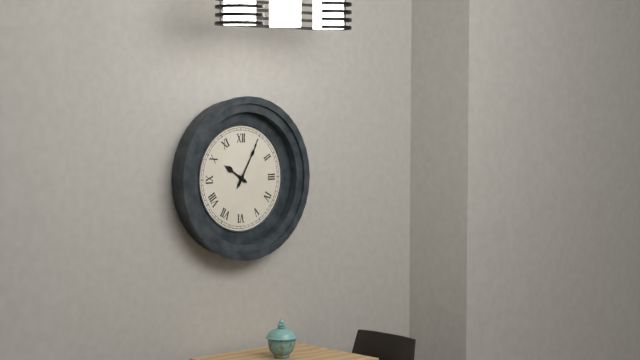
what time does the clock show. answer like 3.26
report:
10.05
